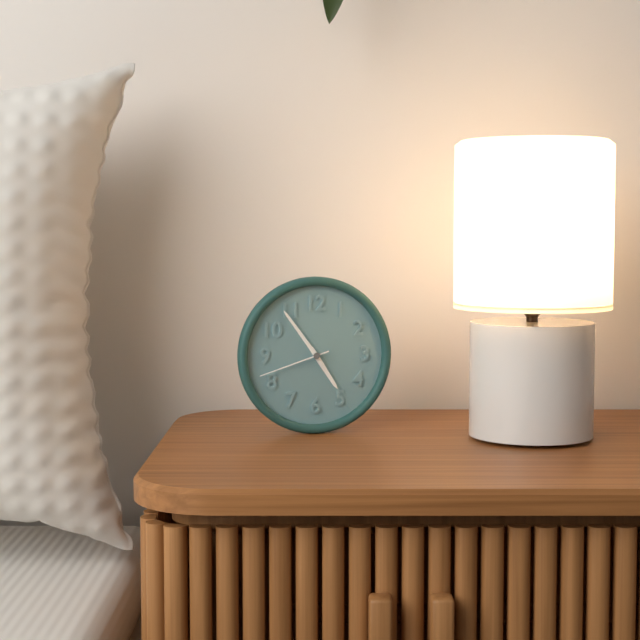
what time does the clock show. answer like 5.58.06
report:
4.54.42
